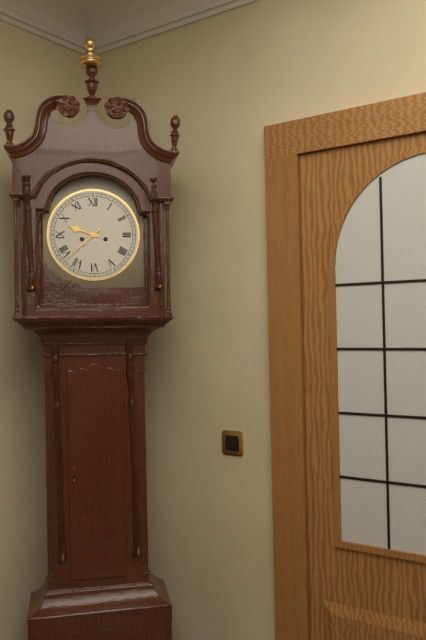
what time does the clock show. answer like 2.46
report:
9.38
